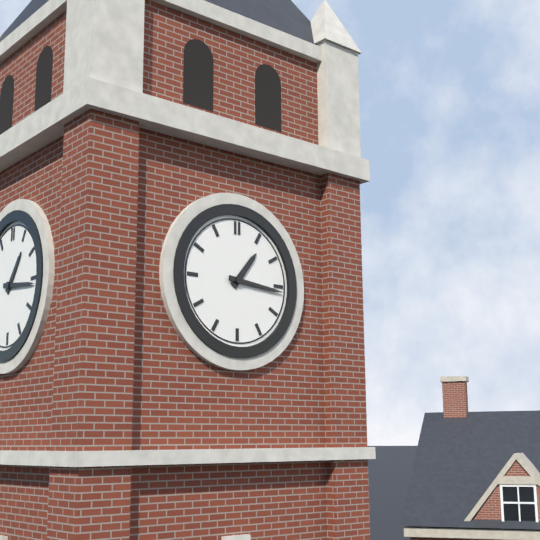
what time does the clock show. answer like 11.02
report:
1.16
